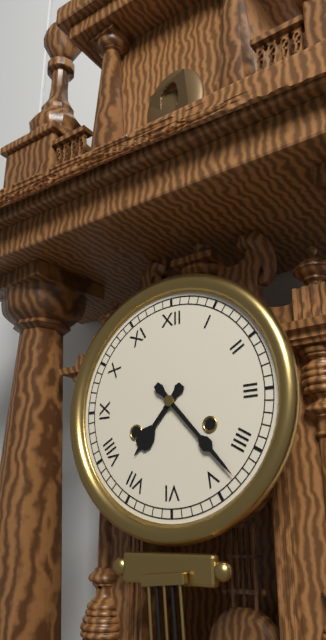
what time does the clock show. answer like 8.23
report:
7.23
